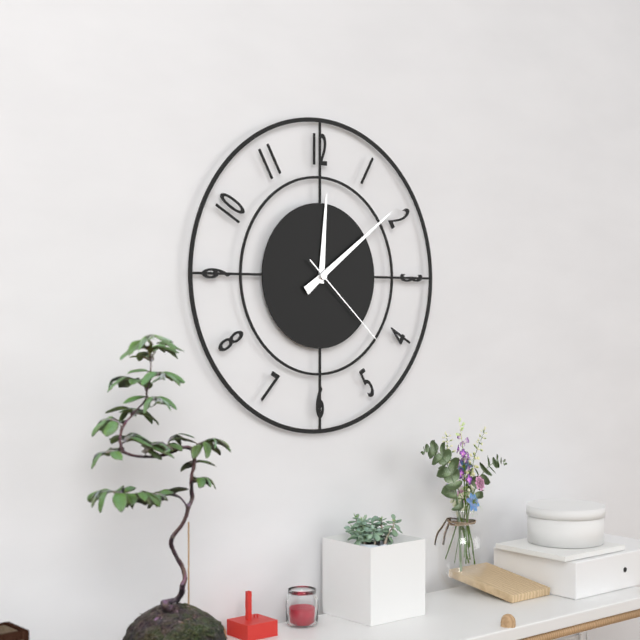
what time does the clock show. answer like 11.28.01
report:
12.09.22
